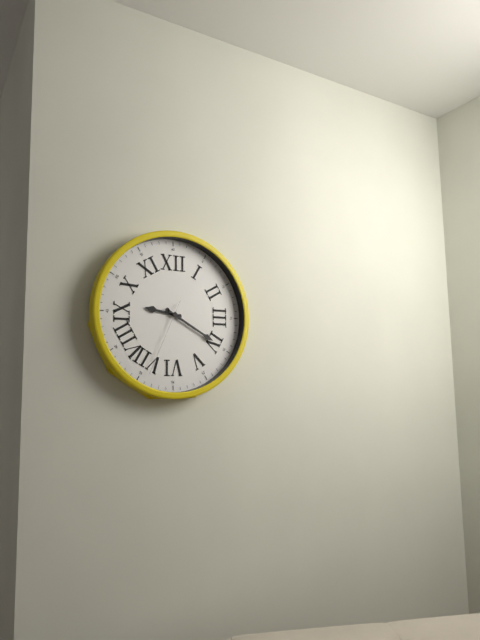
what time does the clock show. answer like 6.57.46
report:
9.20.34
